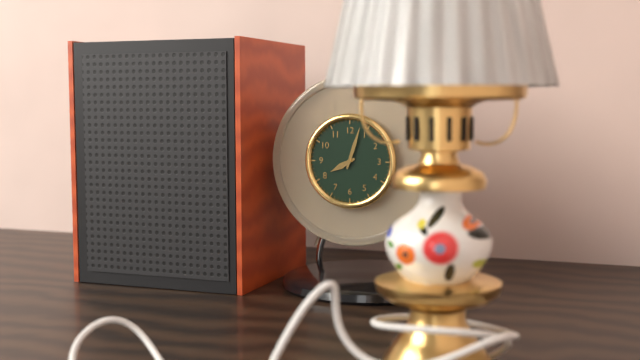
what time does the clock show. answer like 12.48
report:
8.03
